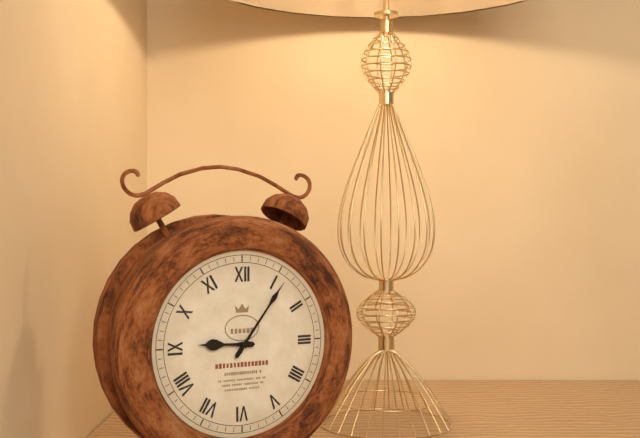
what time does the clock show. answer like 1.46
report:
9.06
